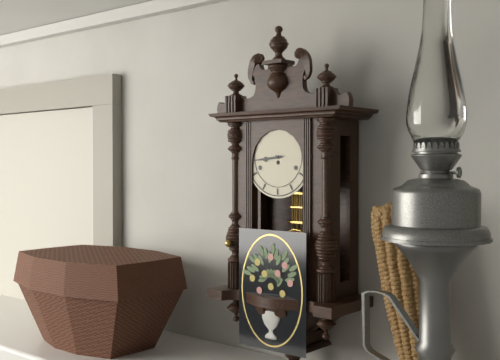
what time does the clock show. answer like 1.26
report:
8.44
